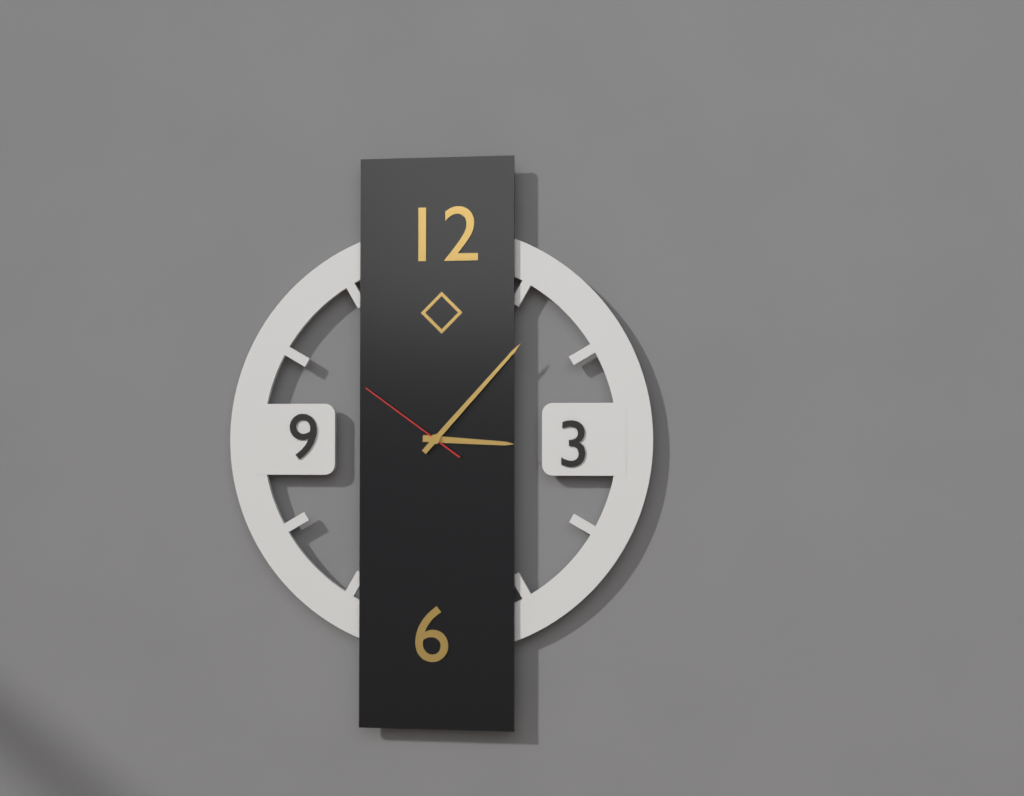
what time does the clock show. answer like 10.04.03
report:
3.07.51
